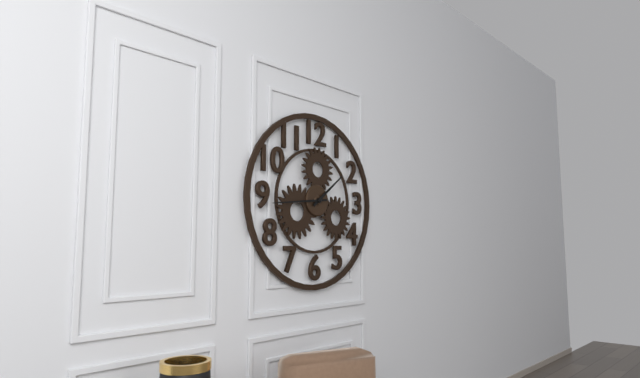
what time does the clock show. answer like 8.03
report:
1.44
